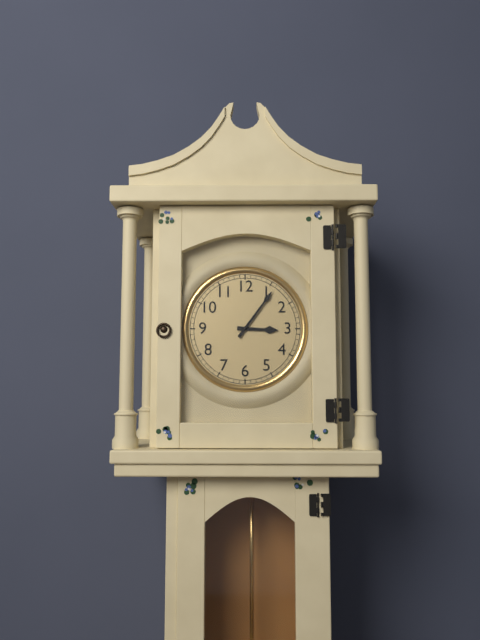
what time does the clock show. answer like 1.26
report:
3.06
